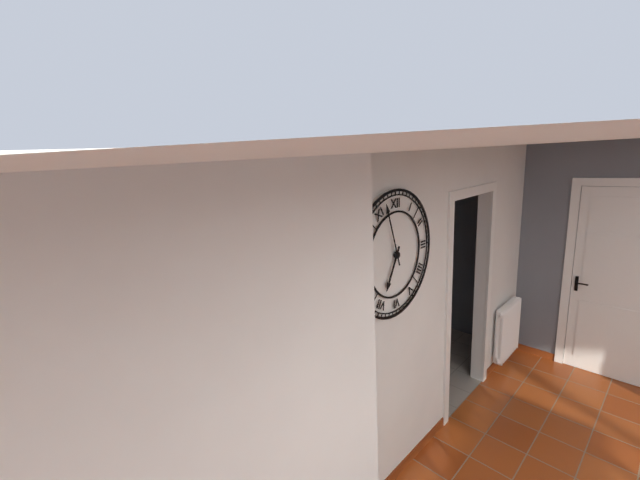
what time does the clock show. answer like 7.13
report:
6.57
